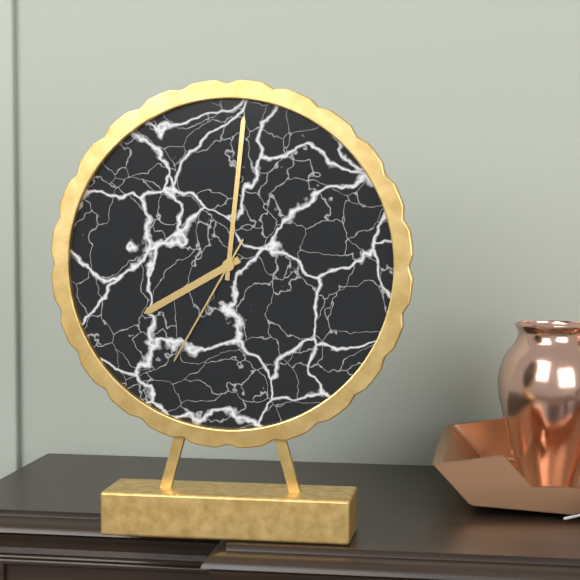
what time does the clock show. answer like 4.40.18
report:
8.01.35
